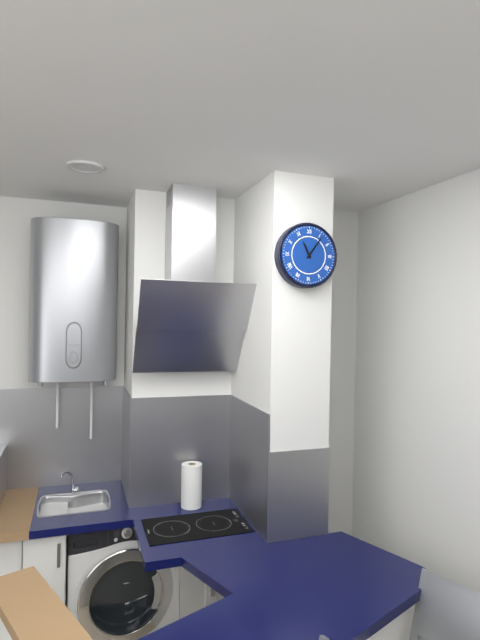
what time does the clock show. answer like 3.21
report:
11.06
